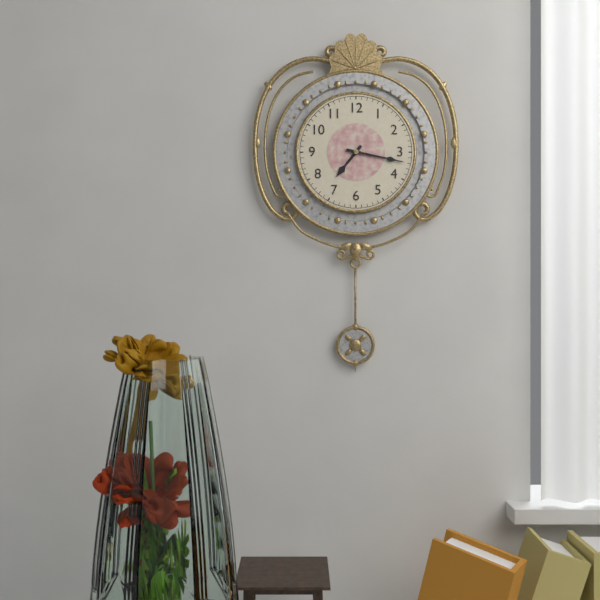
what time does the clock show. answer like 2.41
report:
7.17
